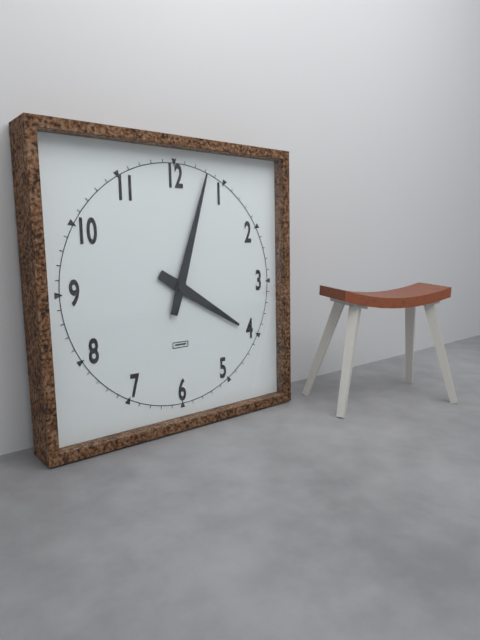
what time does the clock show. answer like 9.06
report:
4.03
